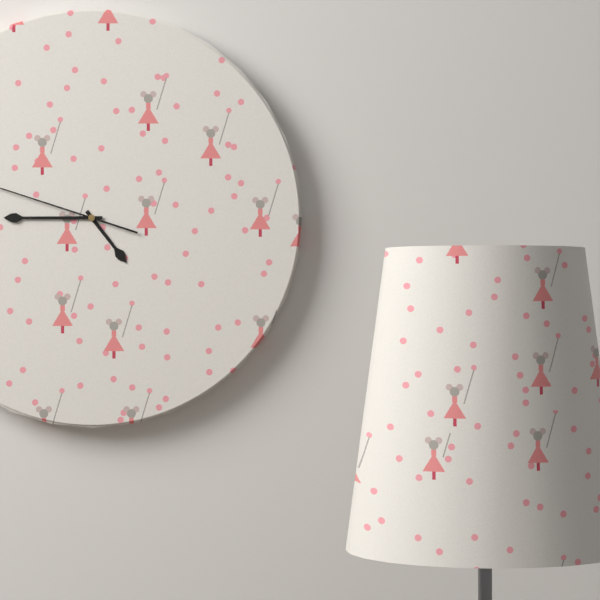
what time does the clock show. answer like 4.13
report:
4.45
